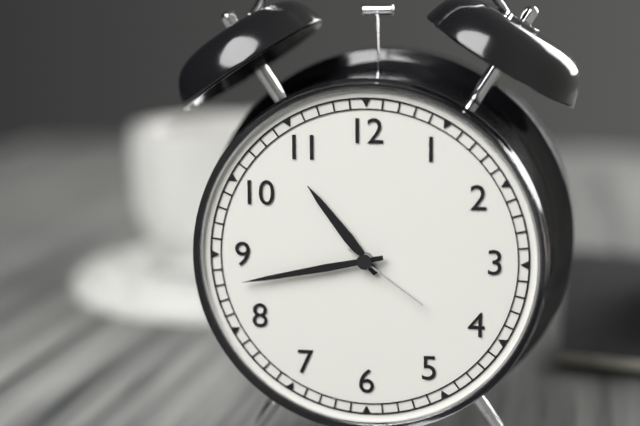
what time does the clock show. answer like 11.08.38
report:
10.43.21
